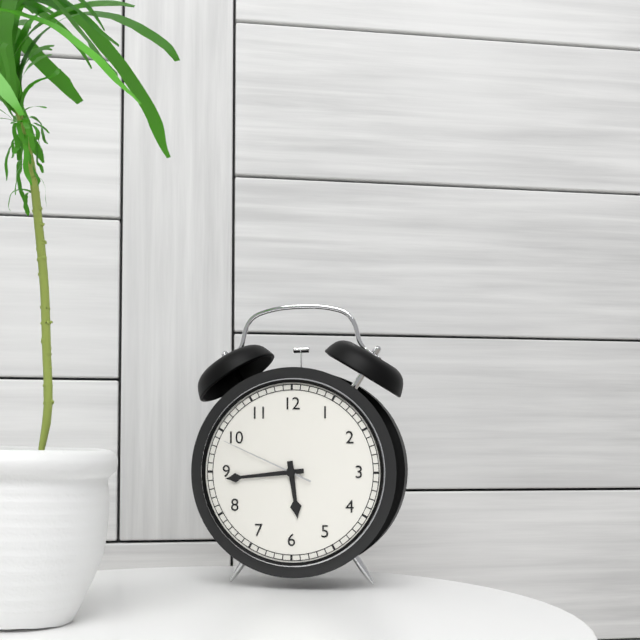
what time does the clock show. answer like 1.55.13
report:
5.44.49
